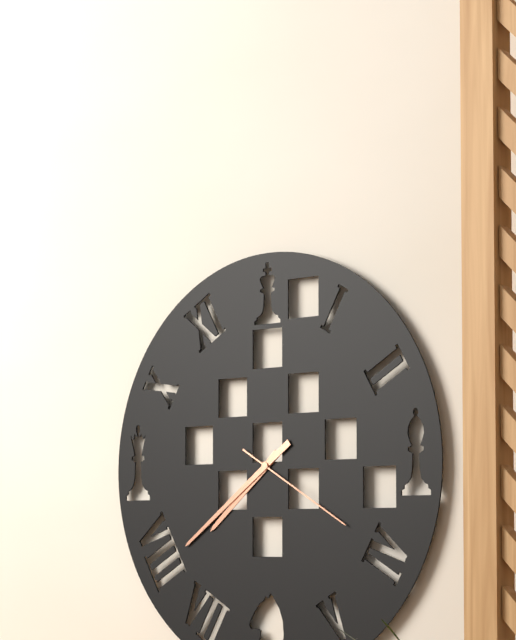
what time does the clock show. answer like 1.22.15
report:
7.39.20
